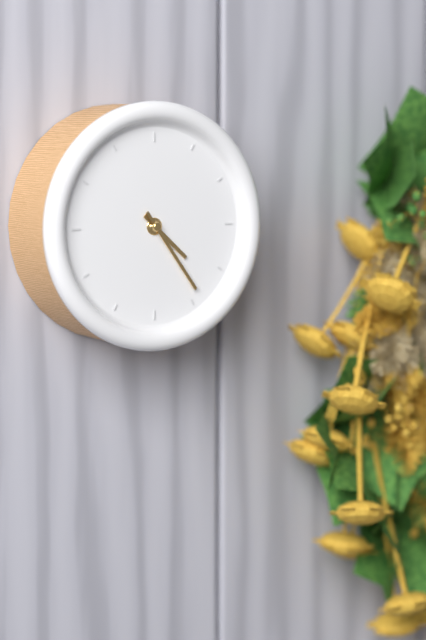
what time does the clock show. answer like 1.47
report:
4.24
